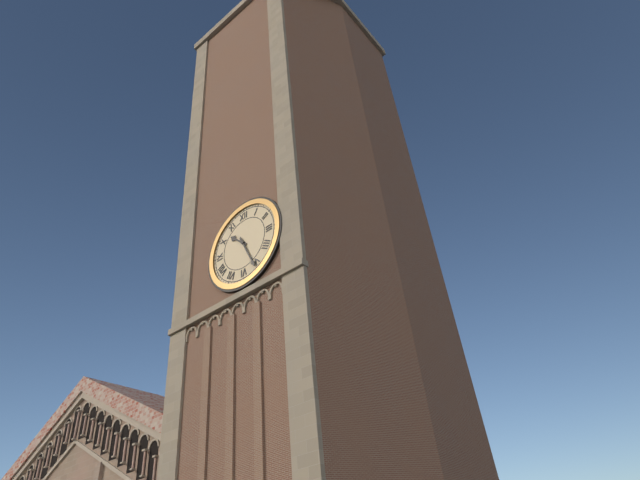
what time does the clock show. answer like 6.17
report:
10.26
